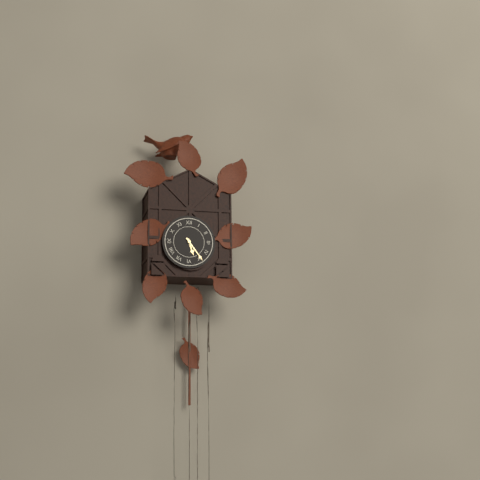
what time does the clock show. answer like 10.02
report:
5.24
